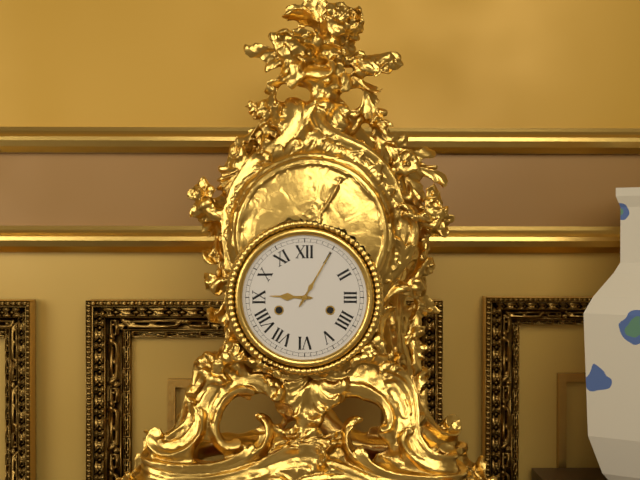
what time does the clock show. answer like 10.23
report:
9.05
